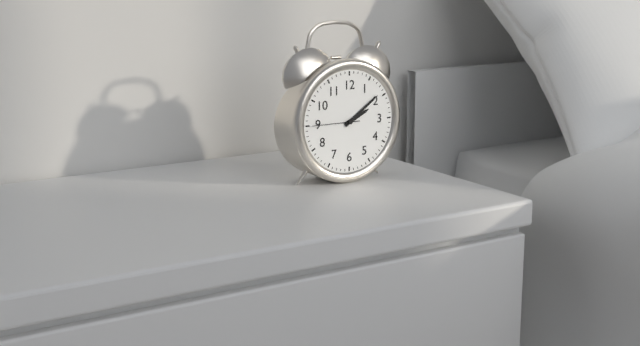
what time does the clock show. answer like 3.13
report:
2.09
